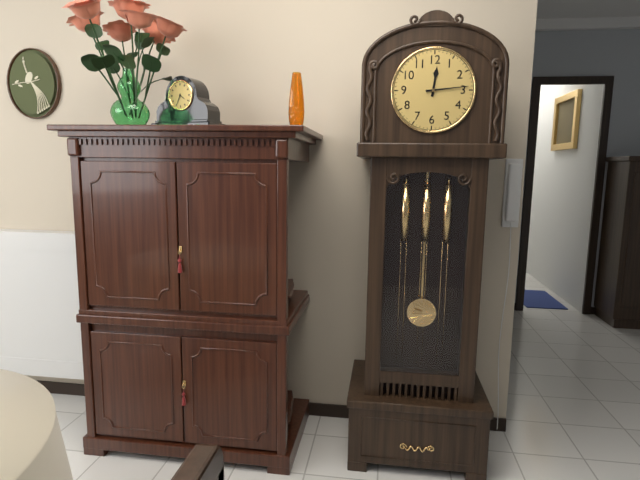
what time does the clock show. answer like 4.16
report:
12.14
